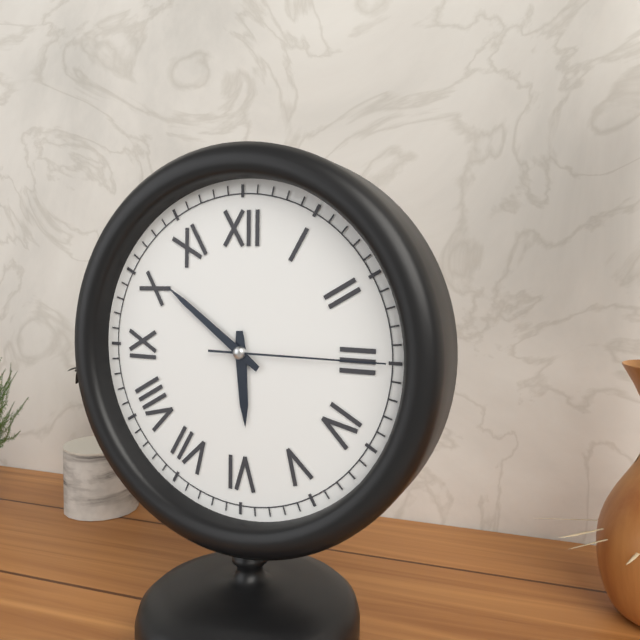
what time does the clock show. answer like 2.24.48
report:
5.51.15
